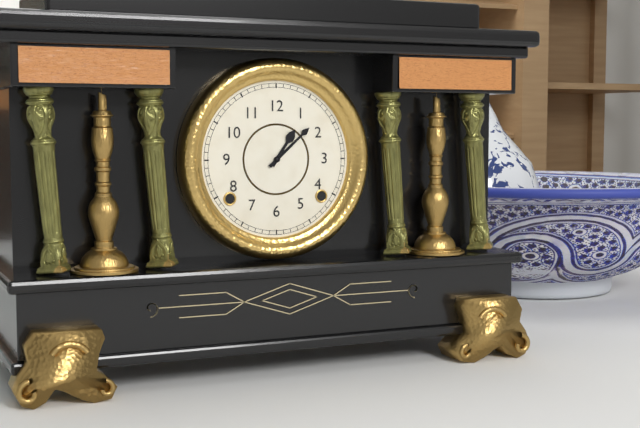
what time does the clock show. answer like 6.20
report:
1.08
